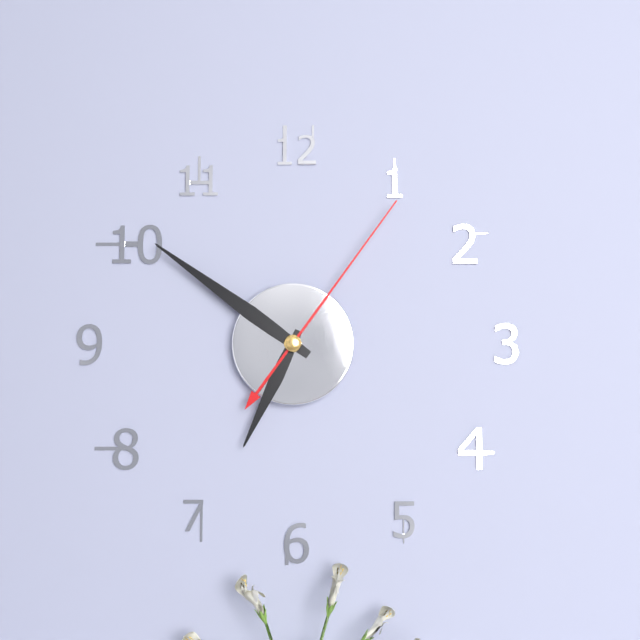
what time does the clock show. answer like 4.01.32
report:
6.51.06
